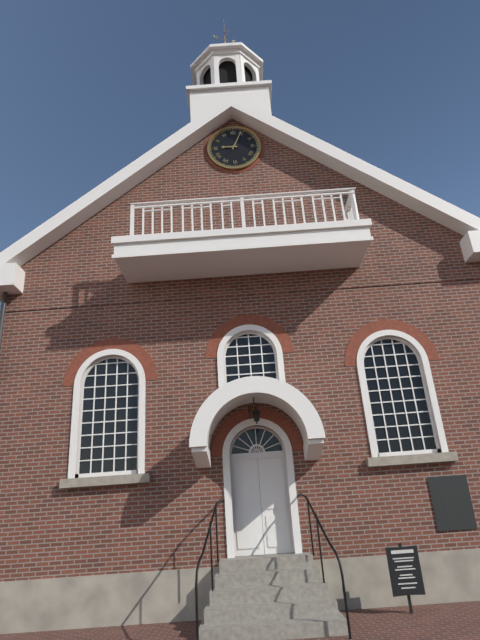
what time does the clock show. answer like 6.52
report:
9.04
